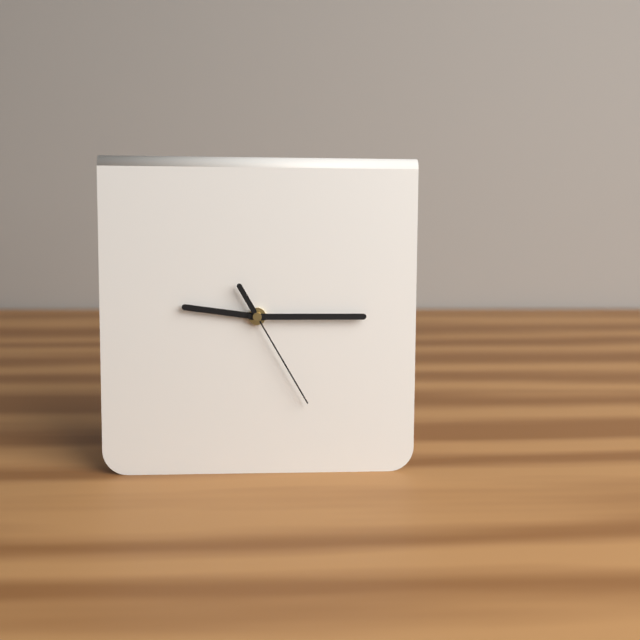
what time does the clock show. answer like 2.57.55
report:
9.15.25
